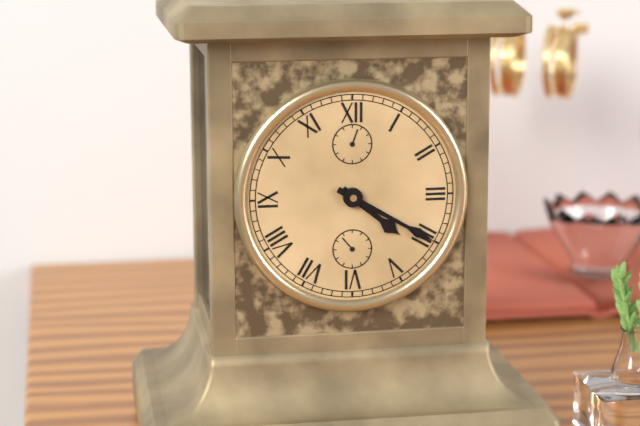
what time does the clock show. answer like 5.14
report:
4.20
